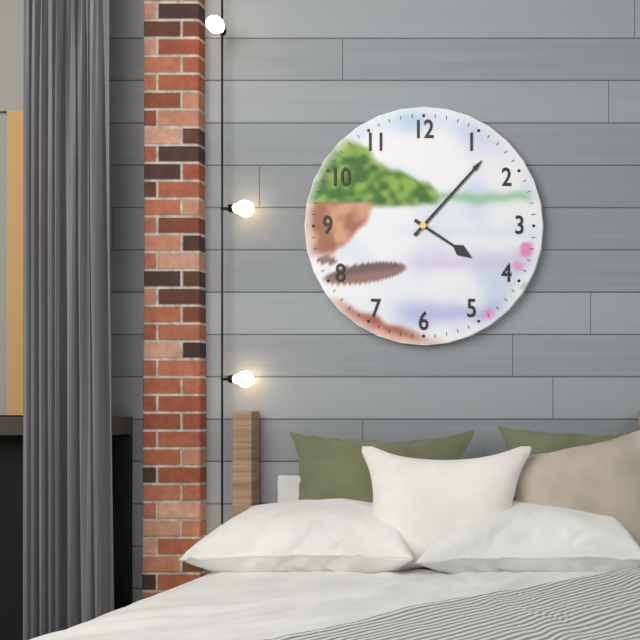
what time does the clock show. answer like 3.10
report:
4.07
